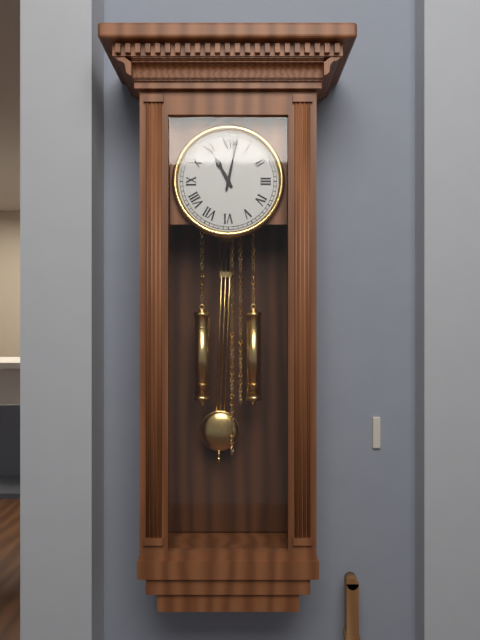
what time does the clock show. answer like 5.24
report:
11.02
